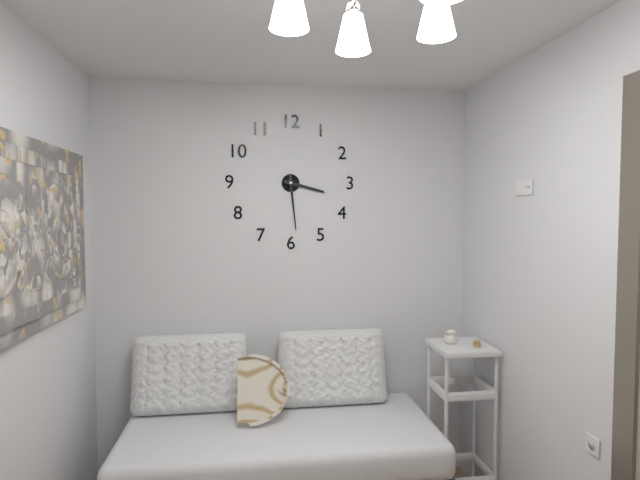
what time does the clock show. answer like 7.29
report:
3.29
